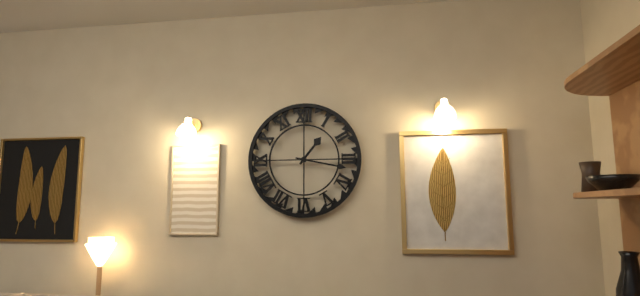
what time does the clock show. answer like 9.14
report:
1.17
